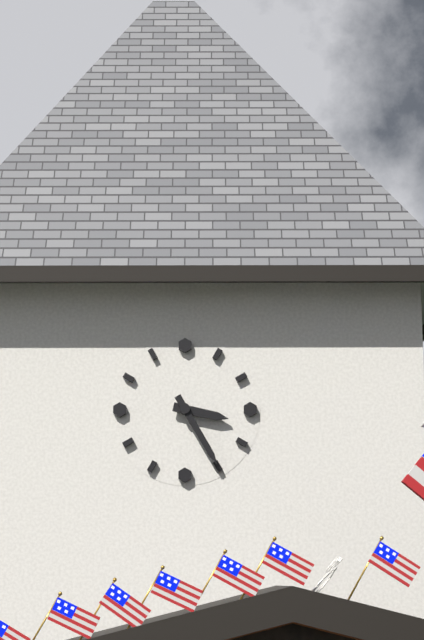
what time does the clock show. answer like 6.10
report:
3.25
